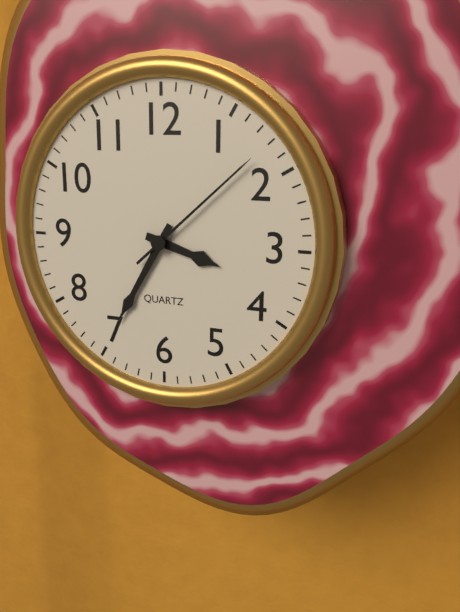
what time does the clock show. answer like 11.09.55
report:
3.35.08
